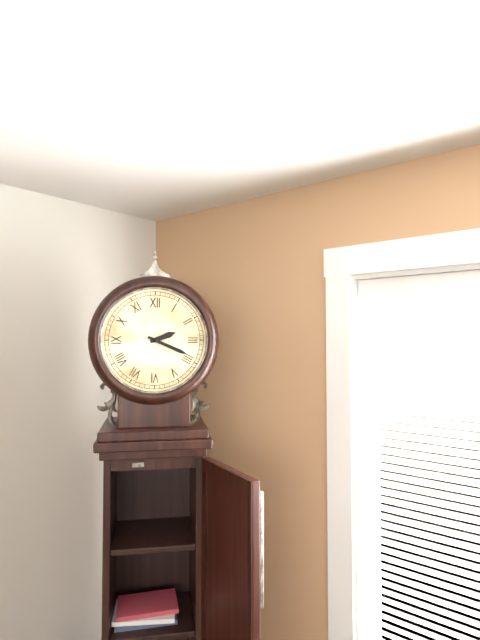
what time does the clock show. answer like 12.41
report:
2.19
